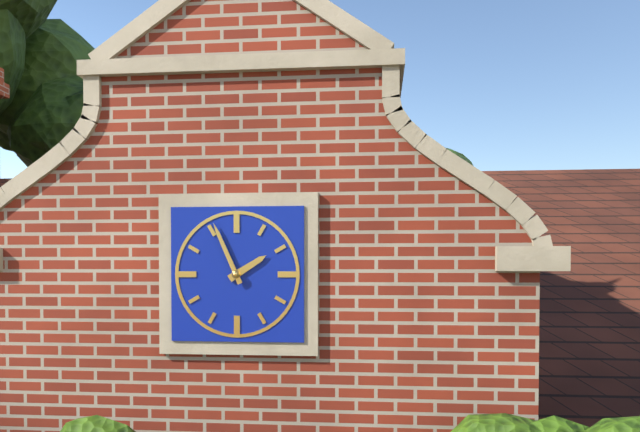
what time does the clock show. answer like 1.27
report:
1.56
